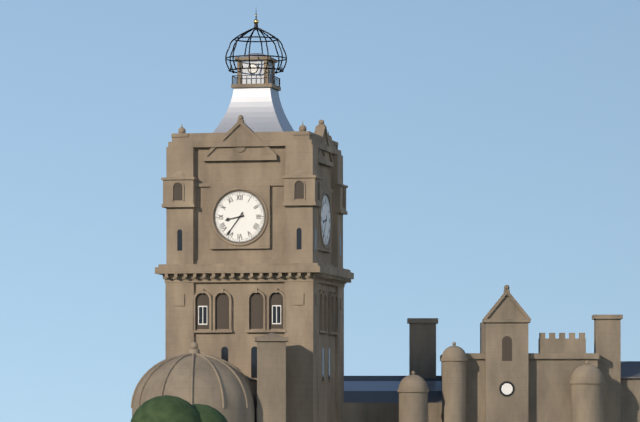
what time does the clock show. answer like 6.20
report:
8.36
